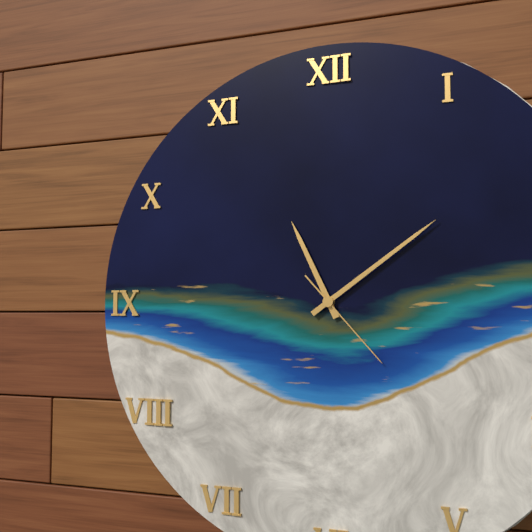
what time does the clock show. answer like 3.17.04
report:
11.09.23
